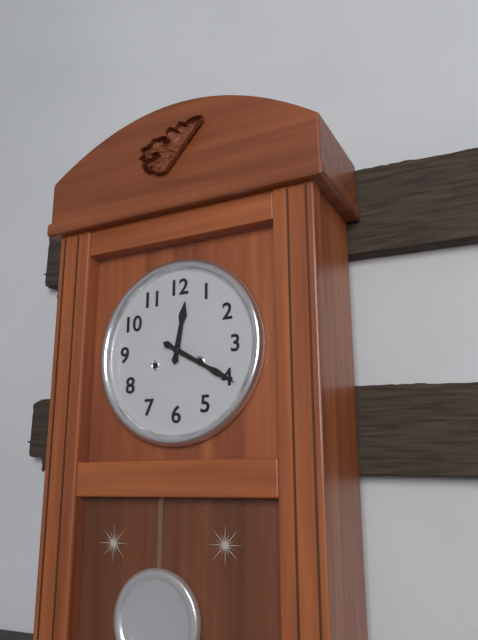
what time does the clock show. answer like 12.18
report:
12.20
